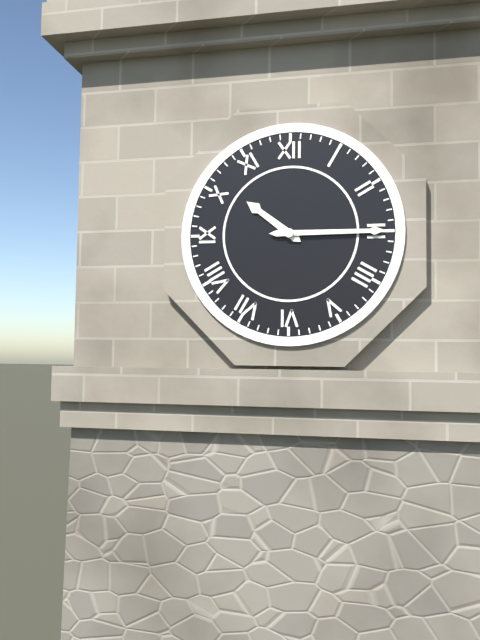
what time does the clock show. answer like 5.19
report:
10.15
